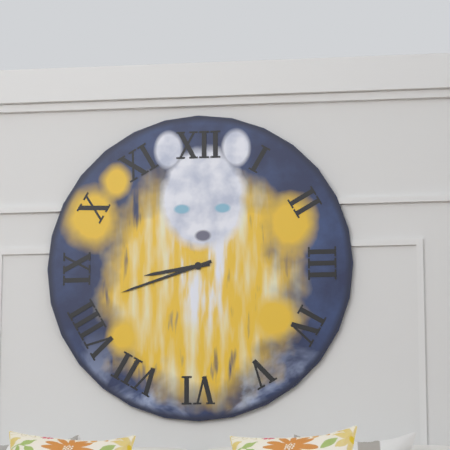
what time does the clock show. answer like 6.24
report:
8.42
